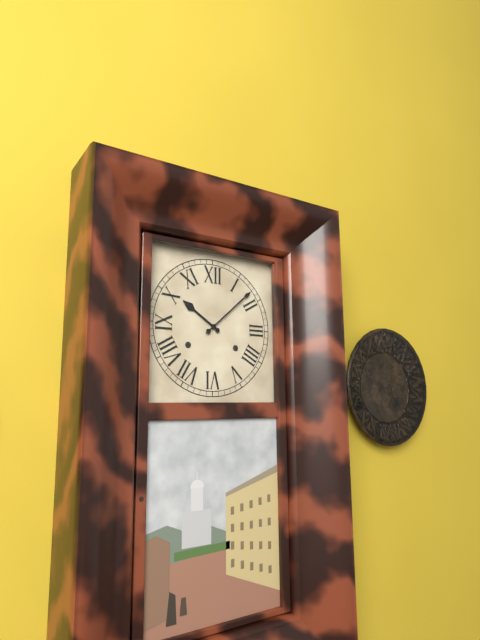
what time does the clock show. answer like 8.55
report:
10.08
